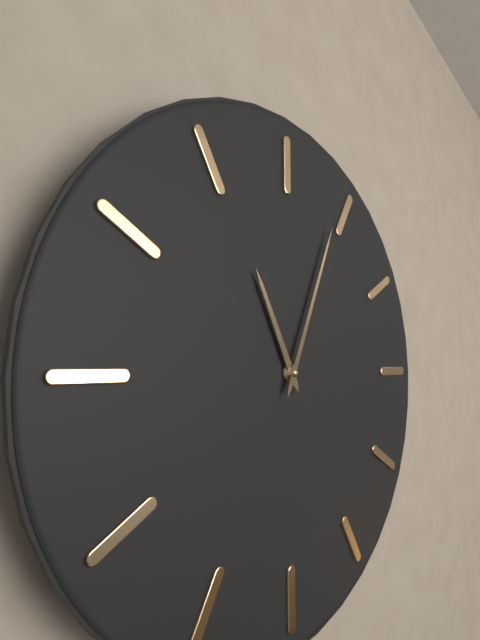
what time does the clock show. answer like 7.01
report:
11.04
